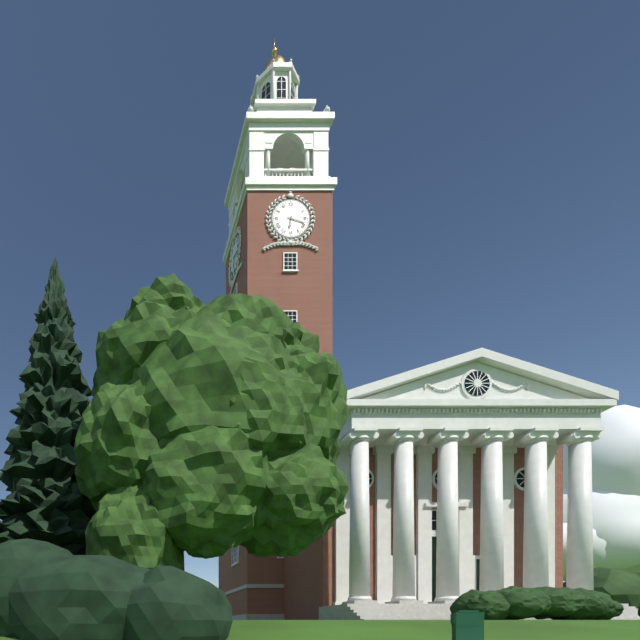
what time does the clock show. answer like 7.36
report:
6.18
